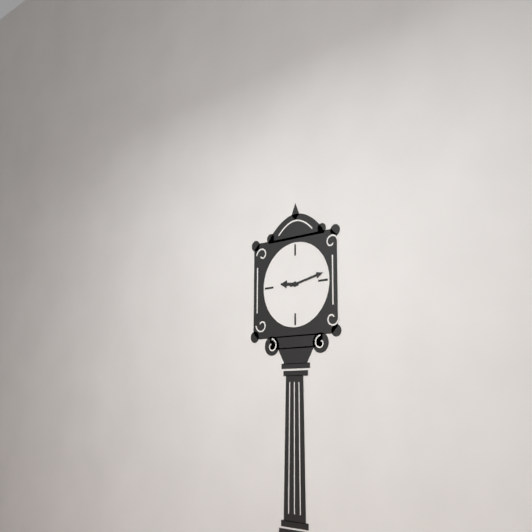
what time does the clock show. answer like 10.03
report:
9.13
